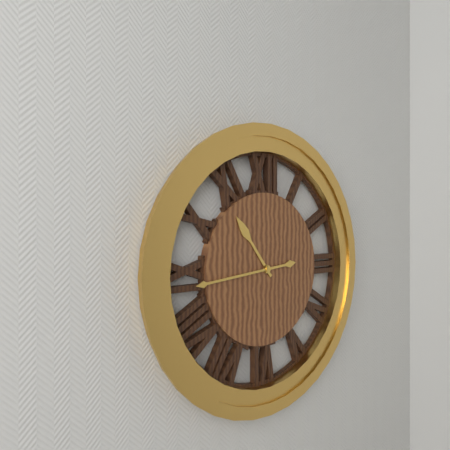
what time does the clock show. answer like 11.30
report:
10.44
